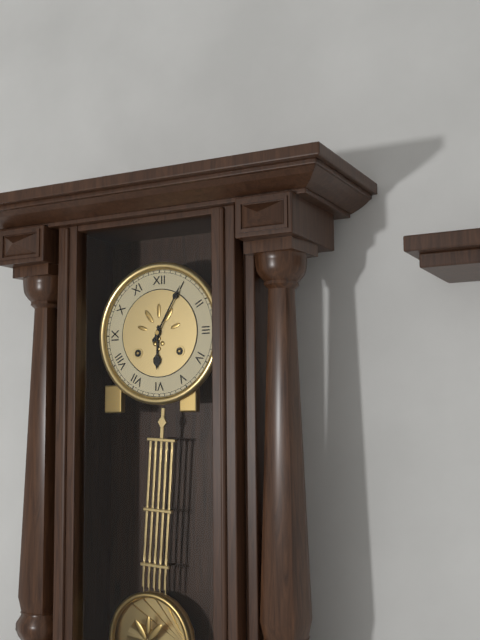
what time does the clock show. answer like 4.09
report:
6.05
